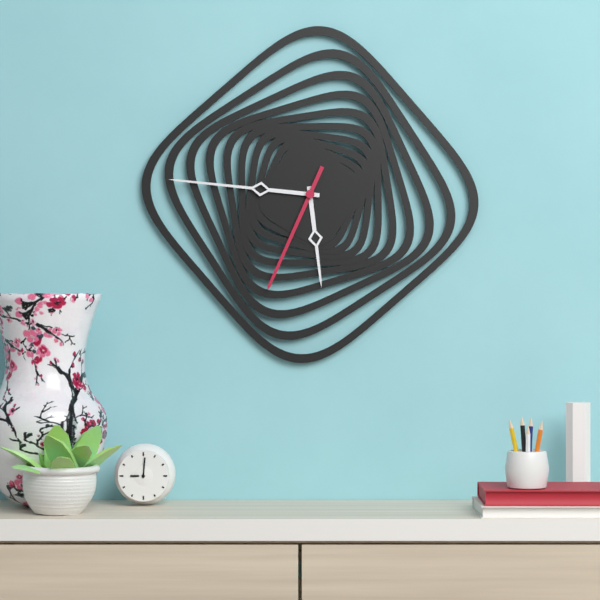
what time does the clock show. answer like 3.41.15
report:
5.46.34
